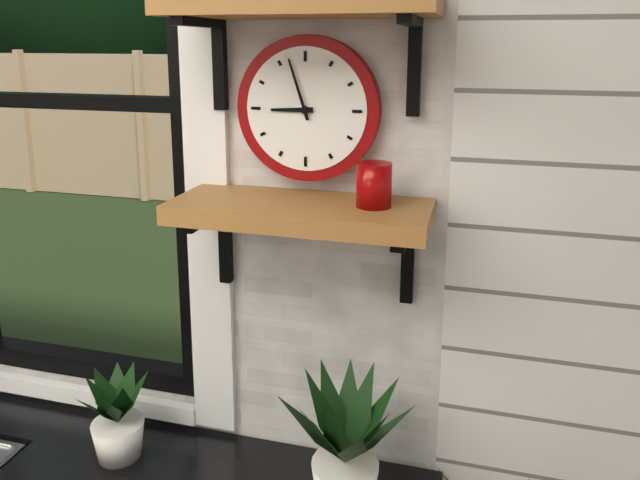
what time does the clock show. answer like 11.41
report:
8.57
